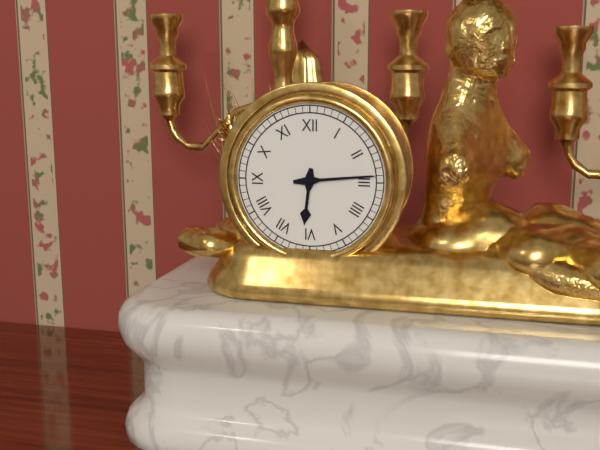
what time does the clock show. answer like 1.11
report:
6.14
